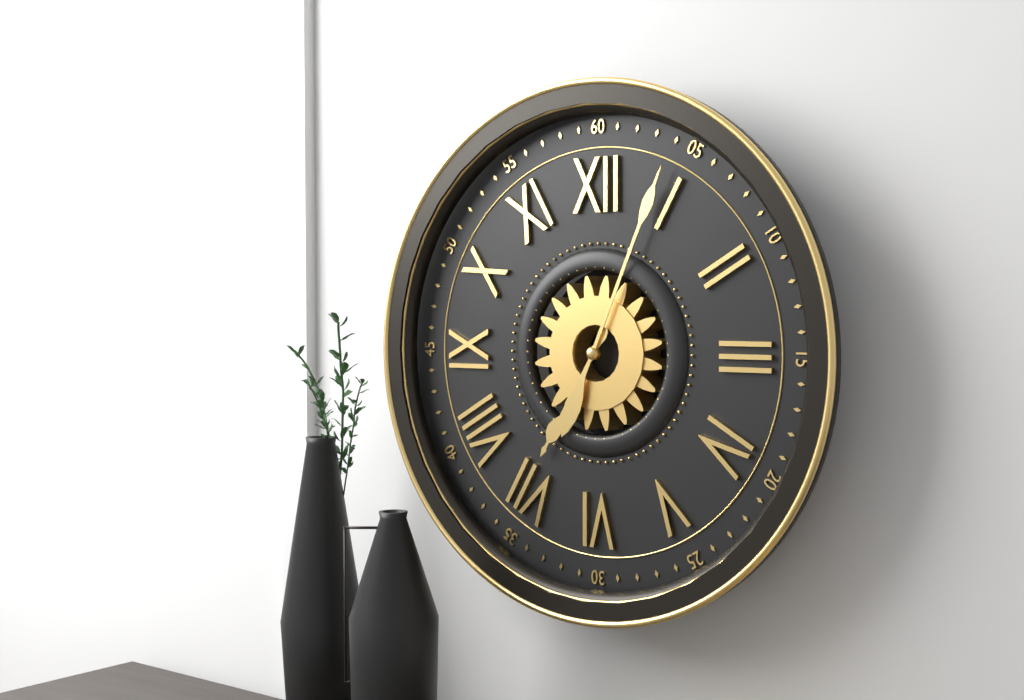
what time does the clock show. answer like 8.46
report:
7.04
